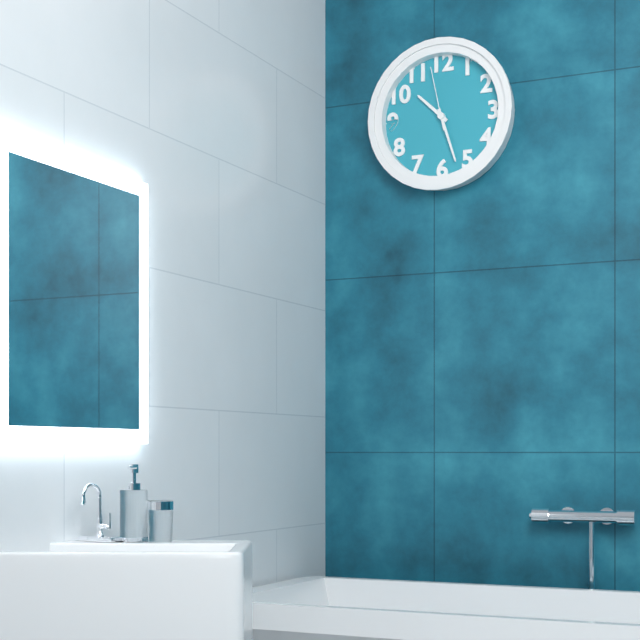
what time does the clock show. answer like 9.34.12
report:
10.27.58
